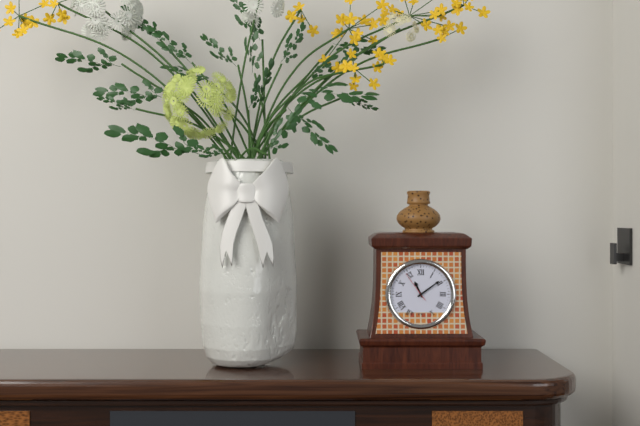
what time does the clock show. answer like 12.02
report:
11.09
